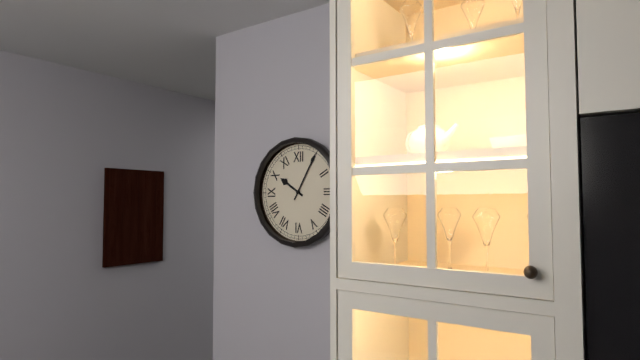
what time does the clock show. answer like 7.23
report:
10.05
